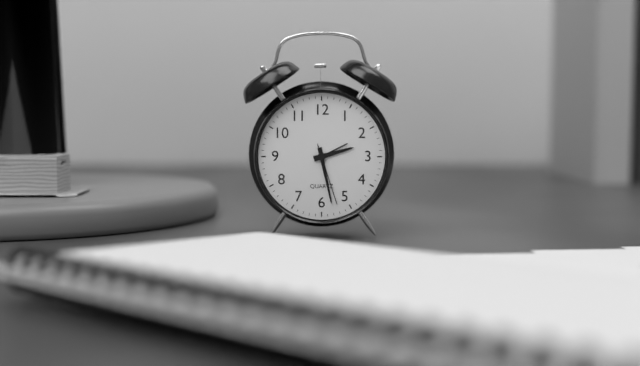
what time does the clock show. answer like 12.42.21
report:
2.28.27
